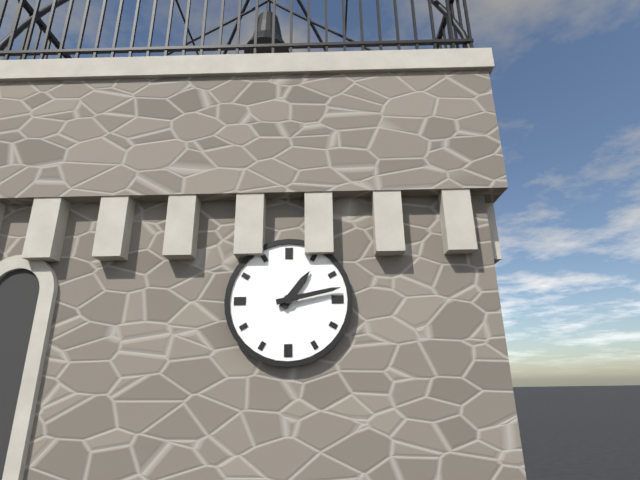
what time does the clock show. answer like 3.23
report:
1.13
